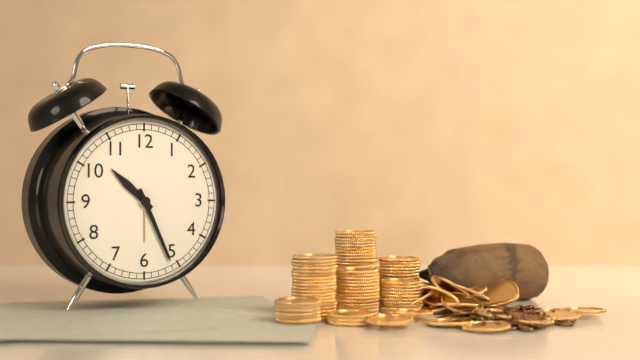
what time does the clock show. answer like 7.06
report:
10.26
